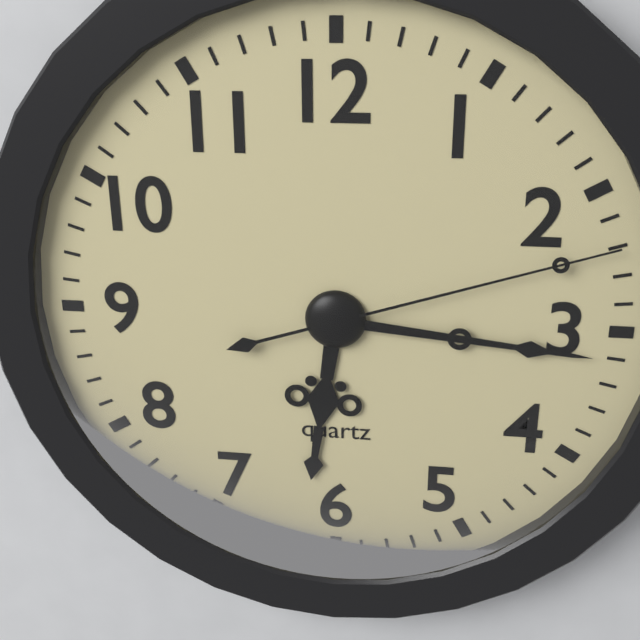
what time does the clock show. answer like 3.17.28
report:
6.16.12
